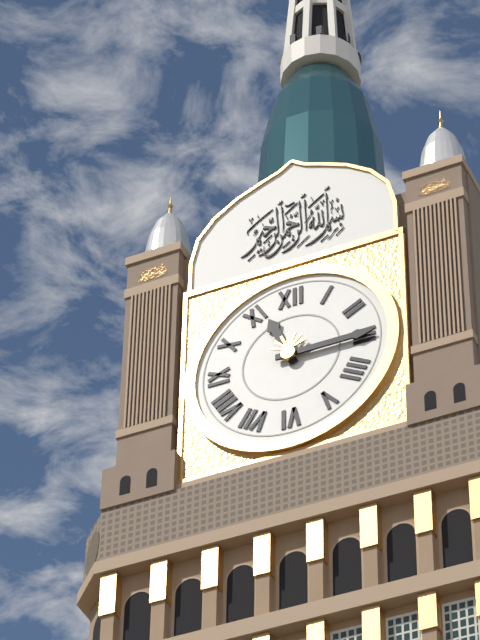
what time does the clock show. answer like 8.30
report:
11.15
